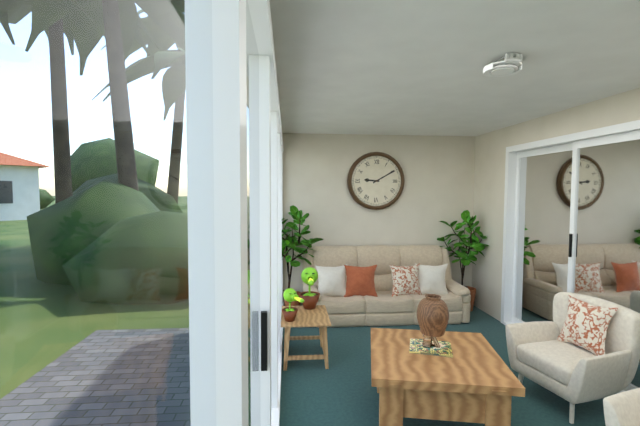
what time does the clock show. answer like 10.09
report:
9.10
